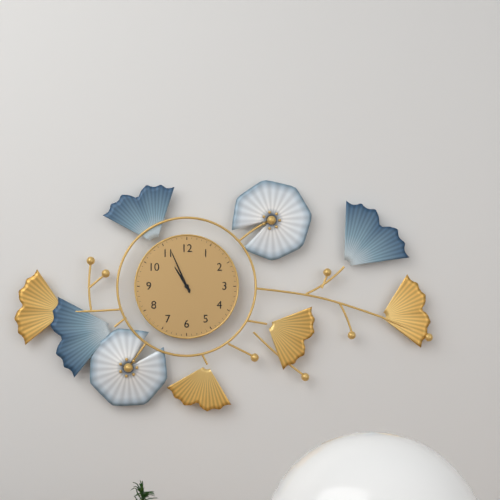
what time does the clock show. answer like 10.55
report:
10.56
